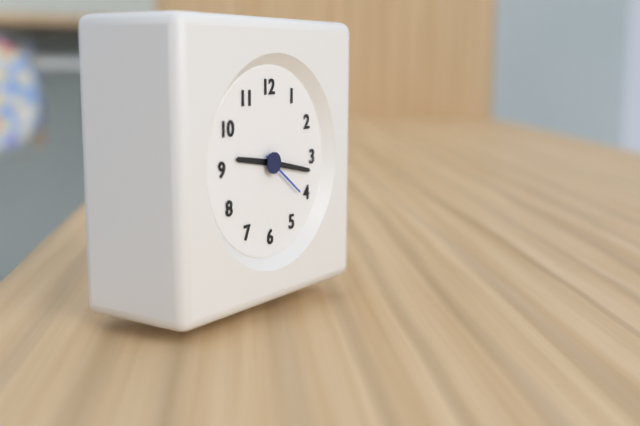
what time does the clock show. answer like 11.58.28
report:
9.17.21
